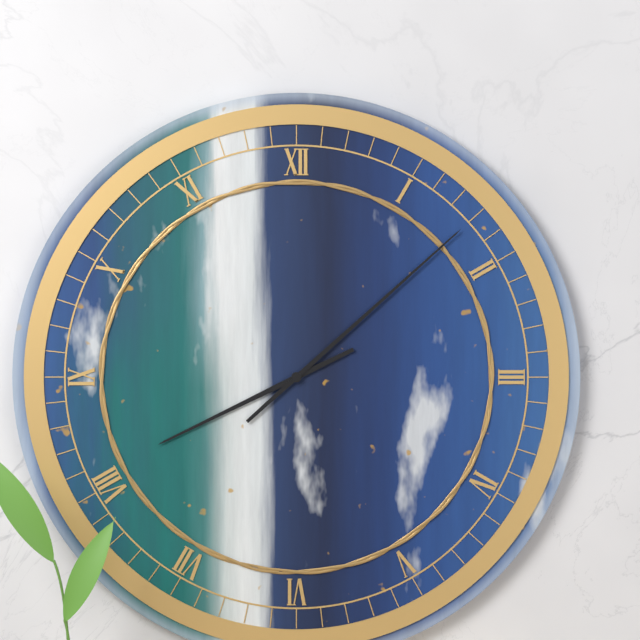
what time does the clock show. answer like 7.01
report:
8.08
